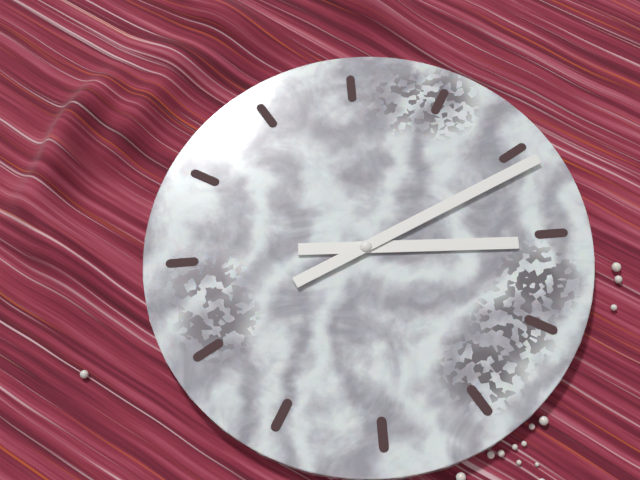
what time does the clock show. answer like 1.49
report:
2.06
